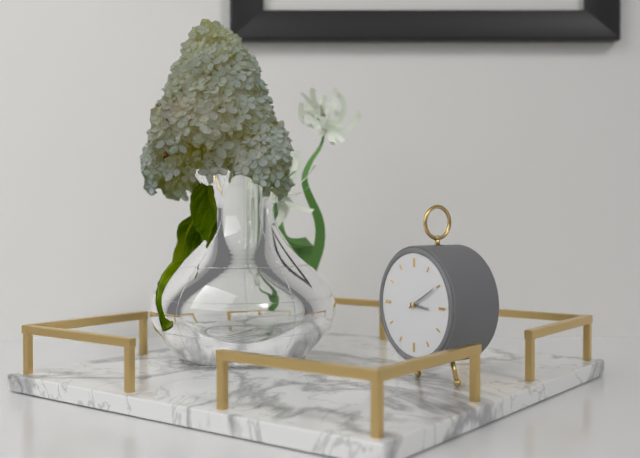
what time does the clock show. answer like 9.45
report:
3.10
